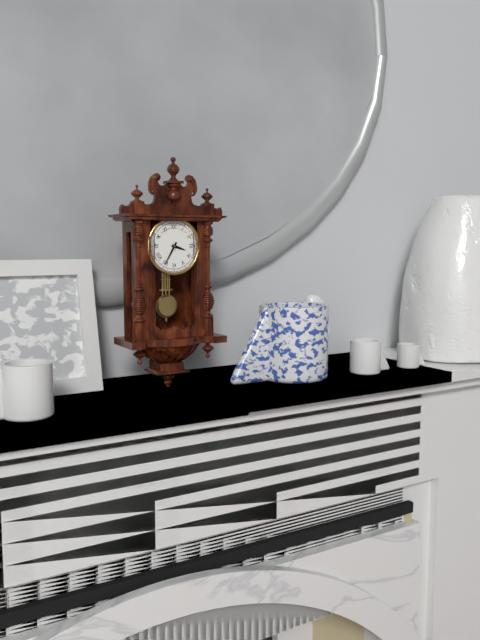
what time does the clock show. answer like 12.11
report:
3.35
